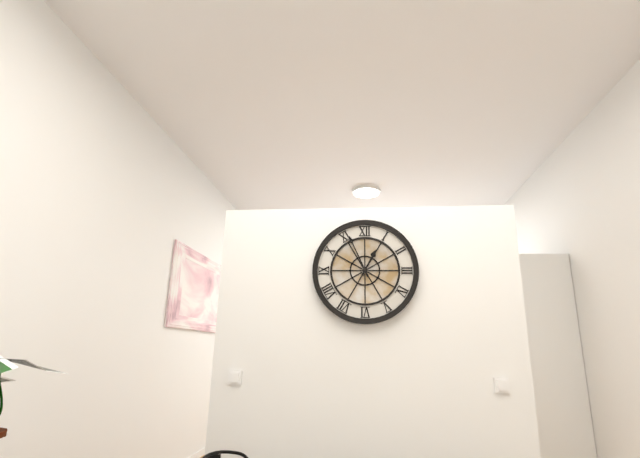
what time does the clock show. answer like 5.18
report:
12.56
